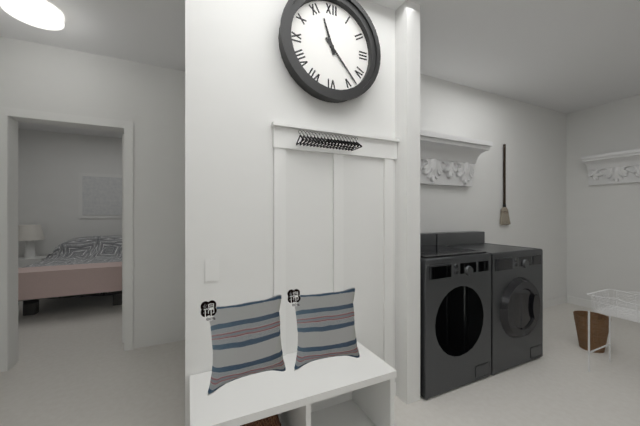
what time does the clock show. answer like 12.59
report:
11.23
